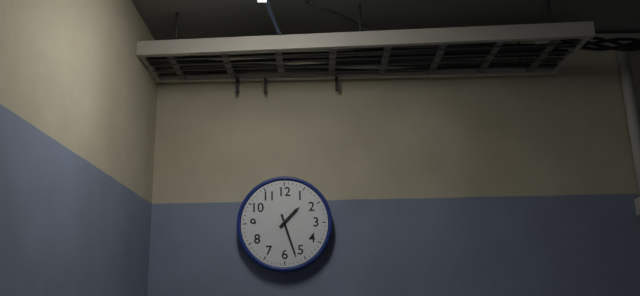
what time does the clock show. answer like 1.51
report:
1.27
